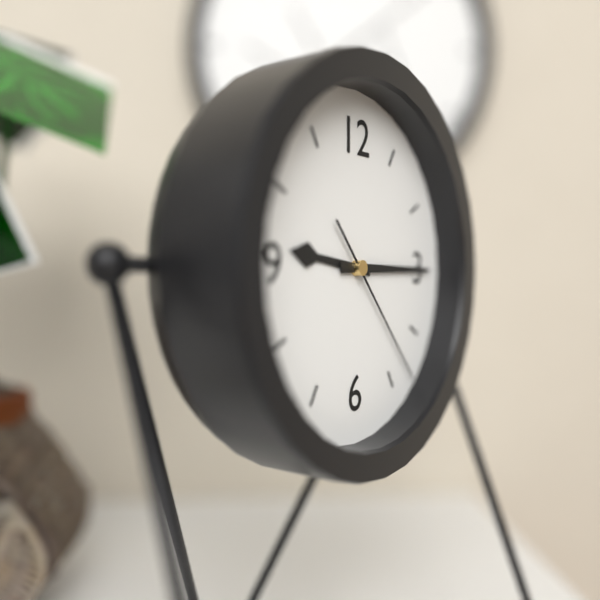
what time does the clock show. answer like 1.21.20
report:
9.15.23
